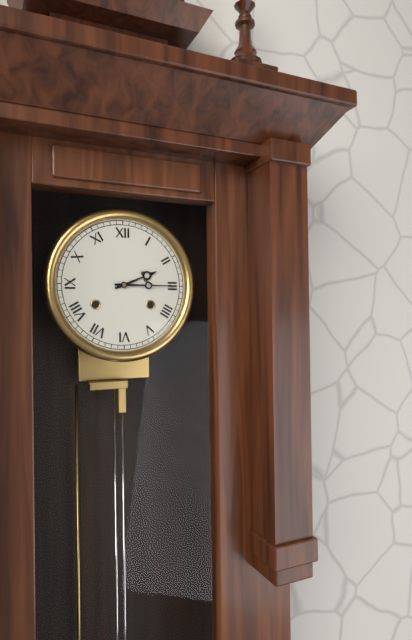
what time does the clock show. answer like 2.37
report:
2.15
